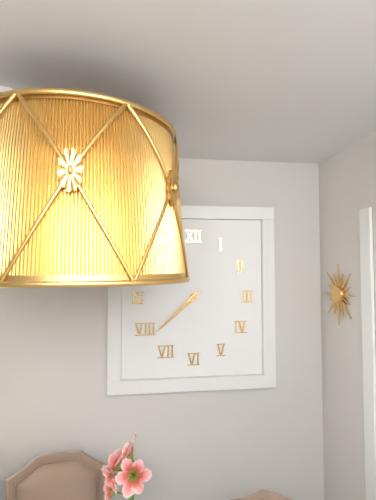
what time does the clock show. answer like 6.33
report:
7.38
